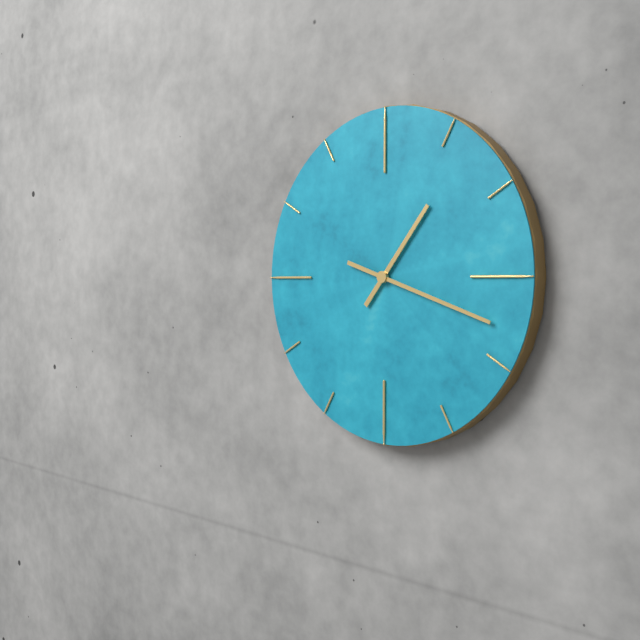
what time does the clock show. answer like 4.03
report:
1.18
